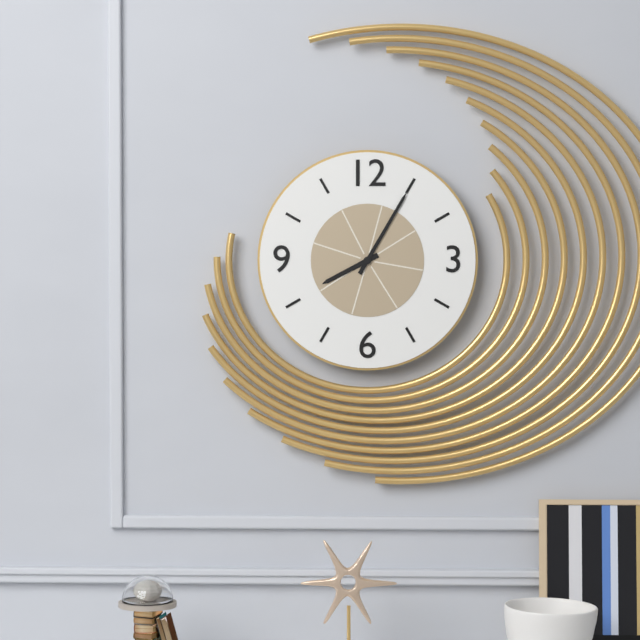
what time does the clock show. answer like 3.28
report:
8.05
